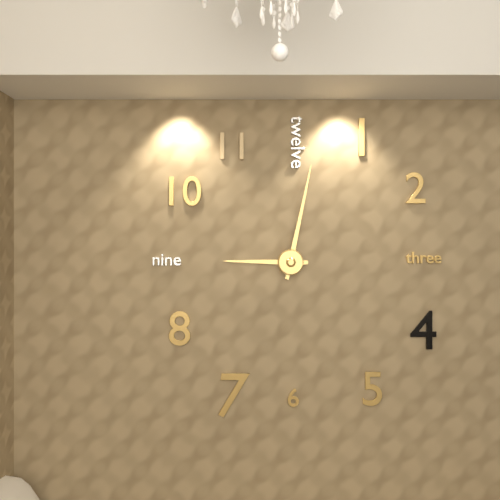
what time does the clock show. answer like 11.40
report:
9.02
